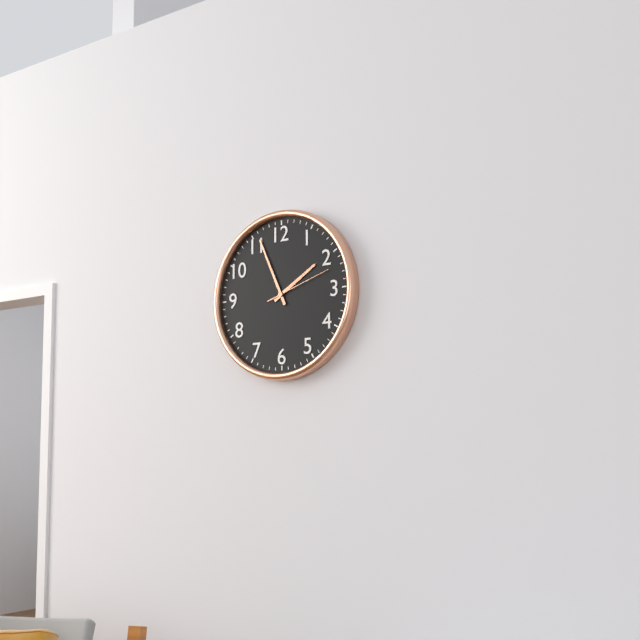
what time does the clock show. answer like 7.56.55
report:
1.56.12
